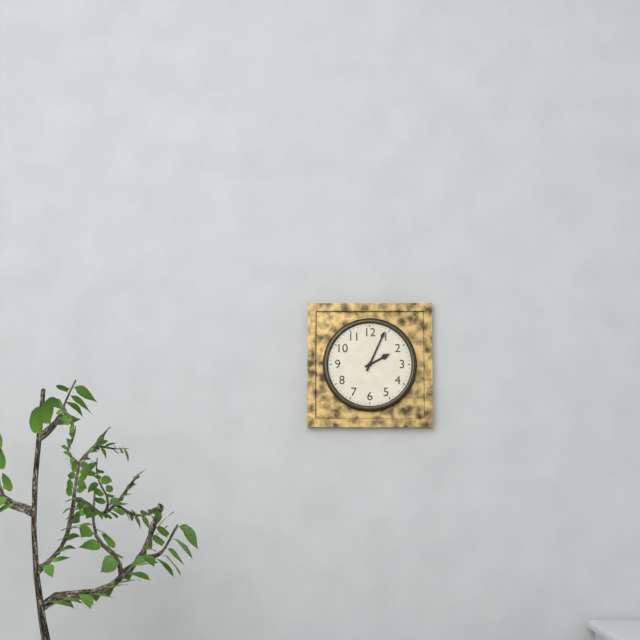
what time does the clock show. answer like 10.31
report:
2.04
